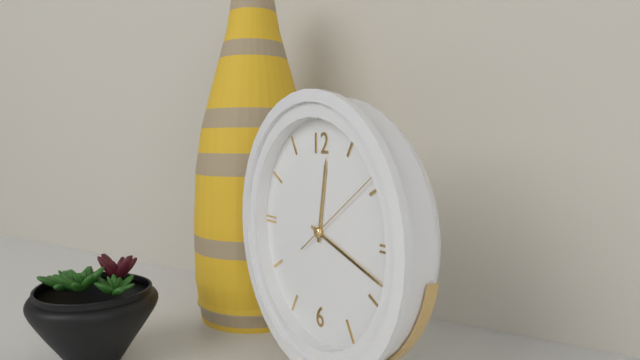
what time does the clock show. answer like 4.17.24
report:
12.18.09
